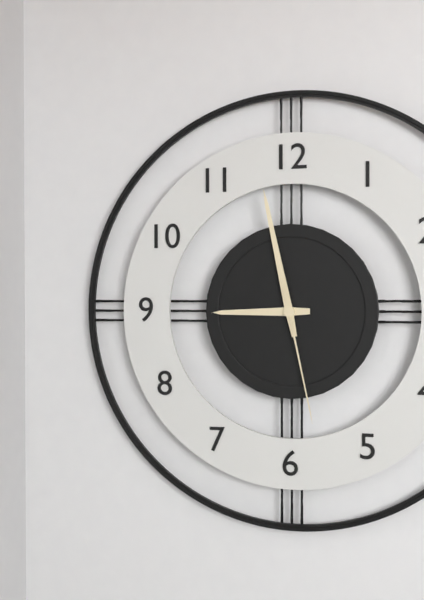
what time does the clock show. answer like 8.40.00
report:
8.58.28
